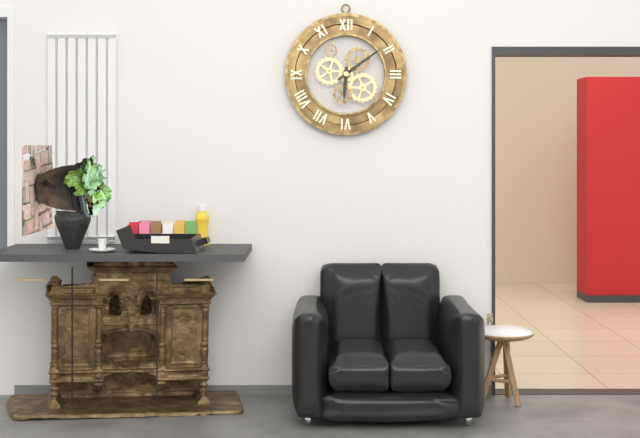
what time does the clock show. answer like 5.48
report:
6.09
